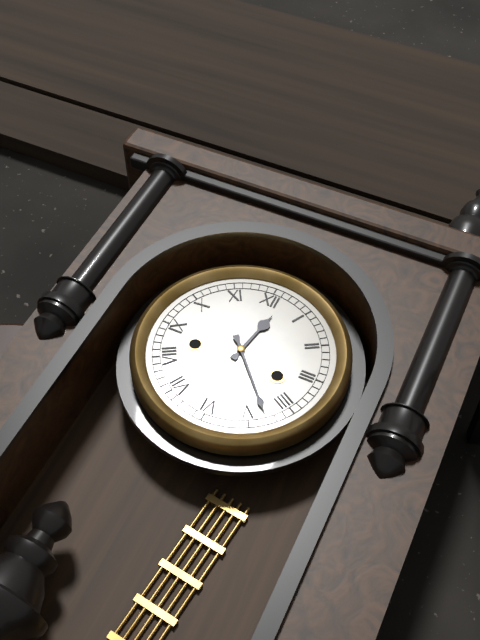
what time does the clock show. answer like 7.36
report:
12.23
